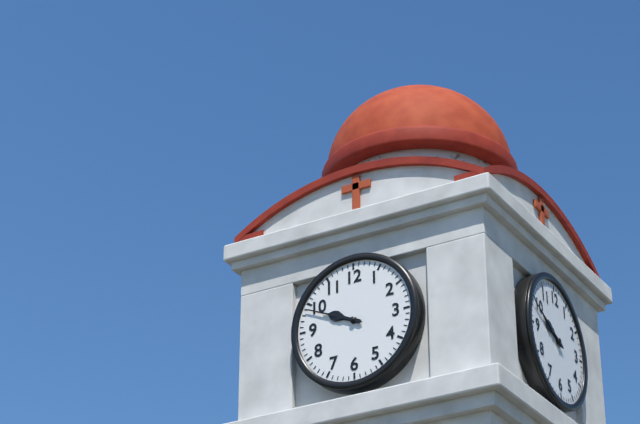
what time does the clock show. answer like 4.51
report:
9.49
